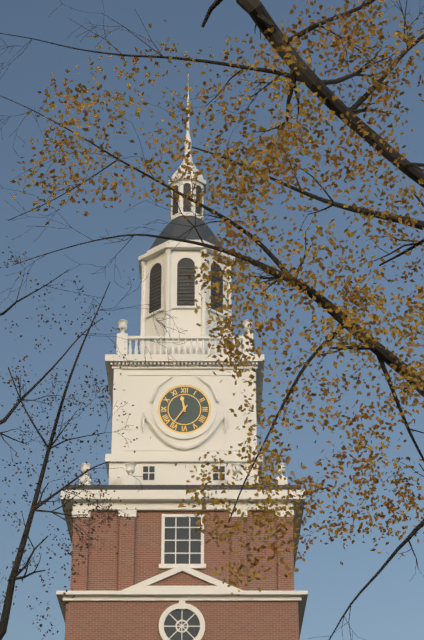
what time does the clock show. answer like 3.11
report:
11.36
